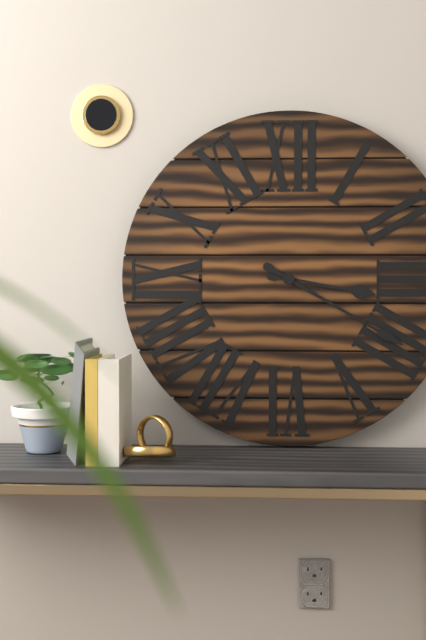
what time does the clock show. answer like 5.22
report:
3.20
